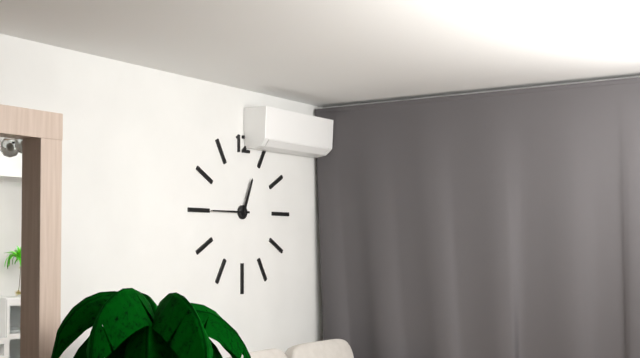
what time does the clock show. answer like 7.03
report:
12.45
